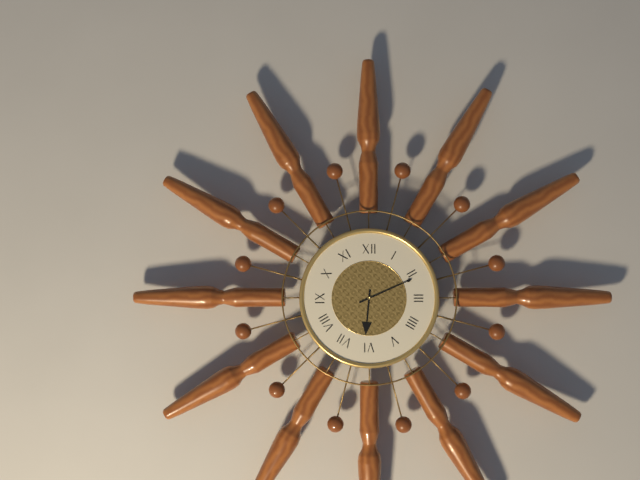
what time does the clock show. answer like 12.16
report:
6.11
